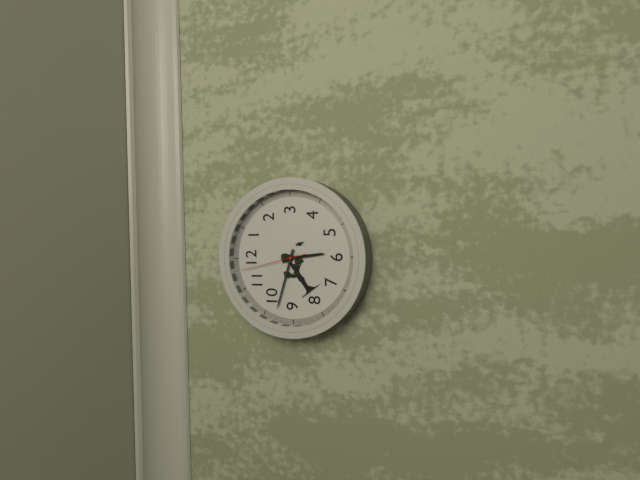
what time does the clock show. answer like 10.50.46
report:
5.48.58
